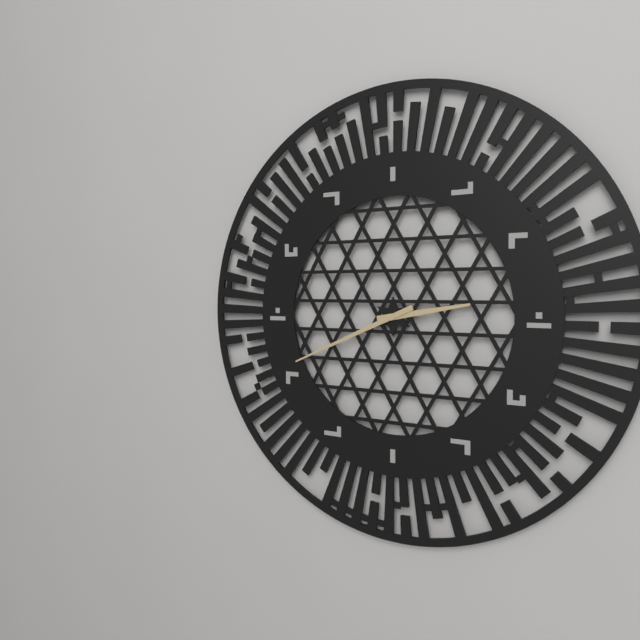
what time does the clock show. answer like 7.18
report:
2.41
